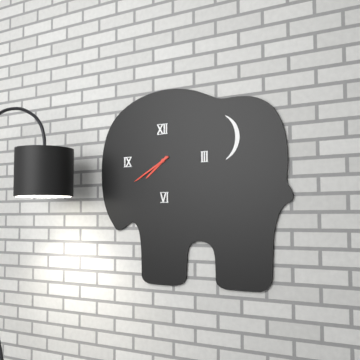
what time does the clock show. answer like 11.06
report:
7.40
